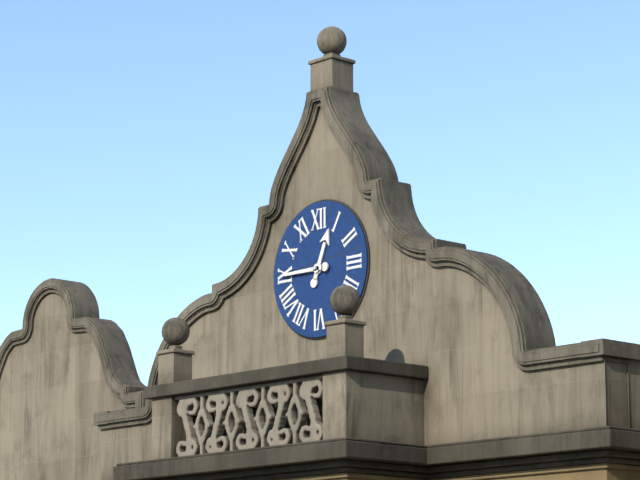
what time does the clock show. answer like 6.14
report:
12.45
